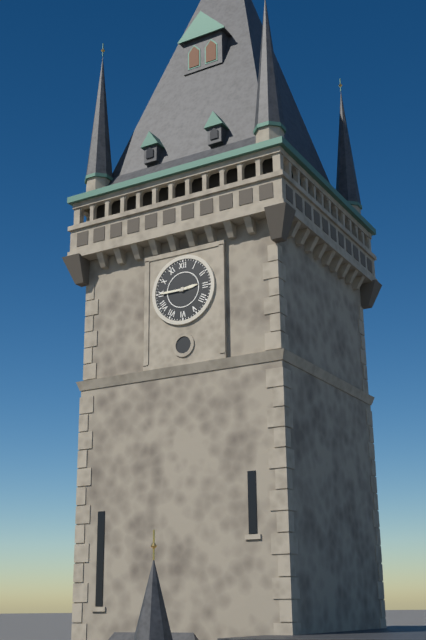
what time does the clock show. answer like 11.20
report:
2.45
